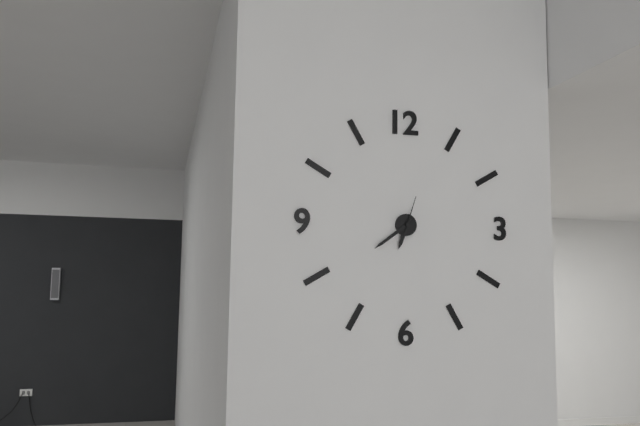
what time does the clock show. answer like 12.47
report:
6.39
